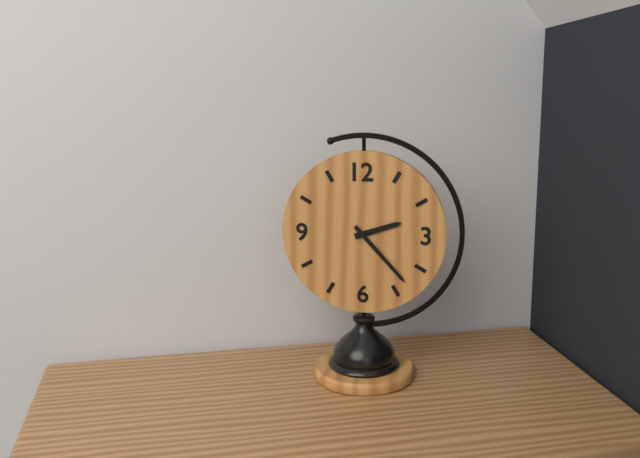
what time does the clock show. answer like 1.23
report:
2.23
